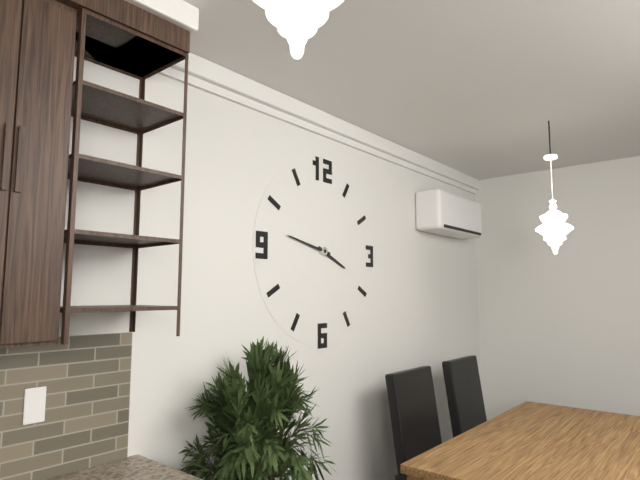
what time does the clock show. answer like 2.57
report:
3.47
